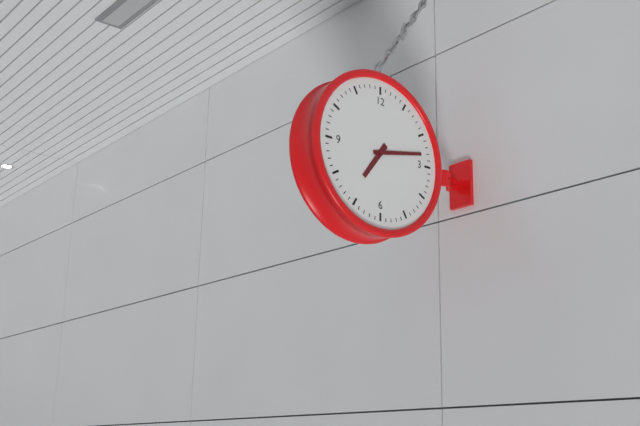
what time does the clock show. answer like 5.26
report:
7.13
